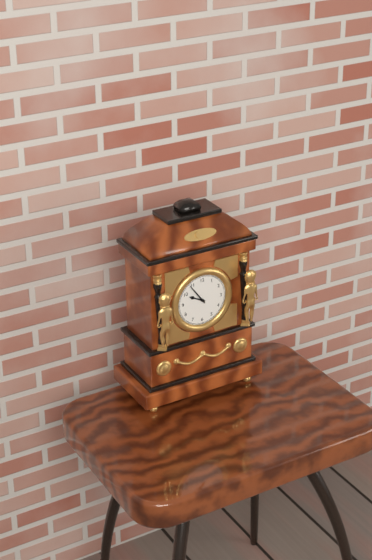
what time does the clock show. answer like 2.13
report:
9.54
